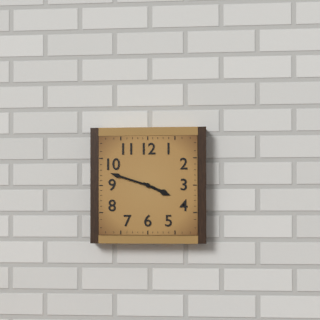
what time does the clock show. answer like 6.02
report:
3.48
